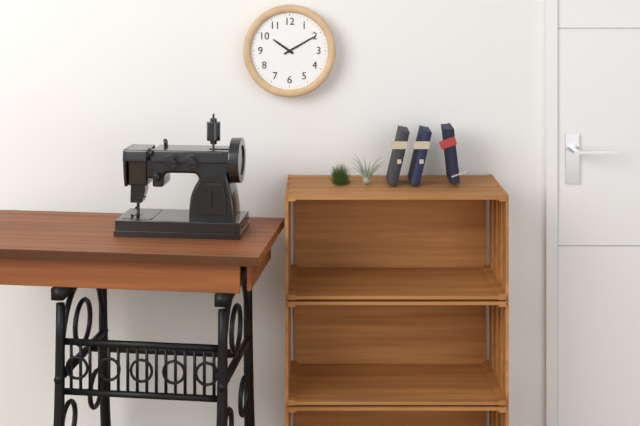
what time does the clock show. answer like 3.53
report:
10.10
